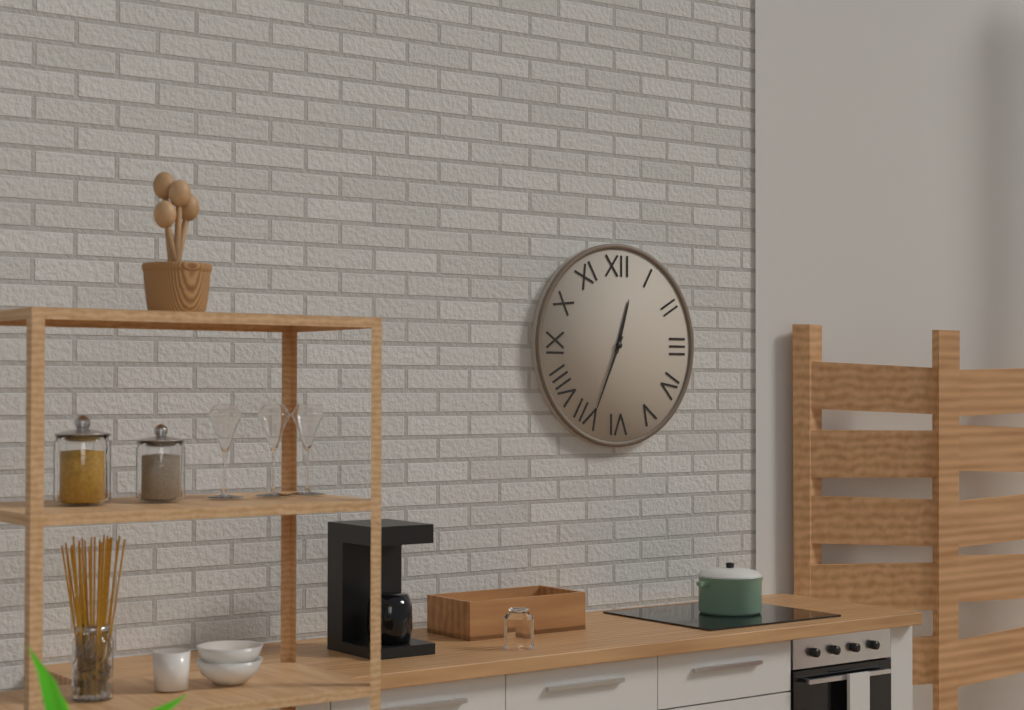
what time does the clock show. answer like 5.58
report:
12.34
